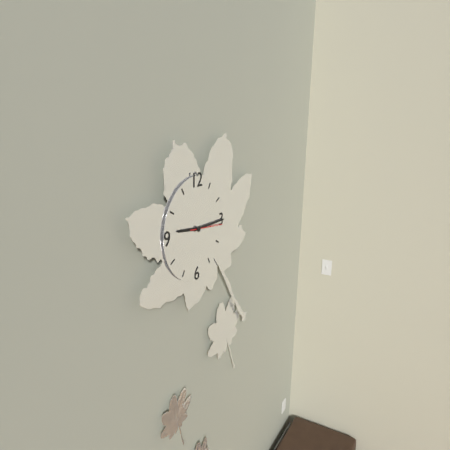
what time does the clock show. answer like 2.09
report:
9.15
